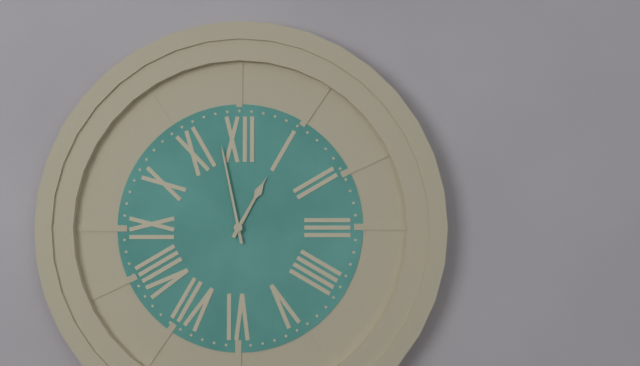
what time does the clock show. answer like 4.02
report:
12.58
